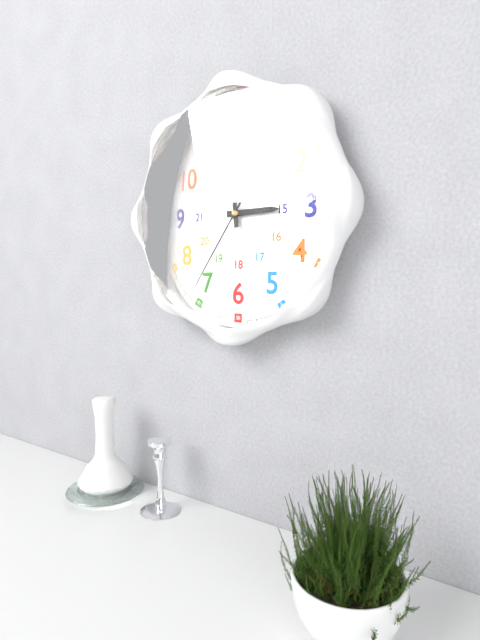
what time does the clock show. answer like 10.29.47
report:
2.59.36
